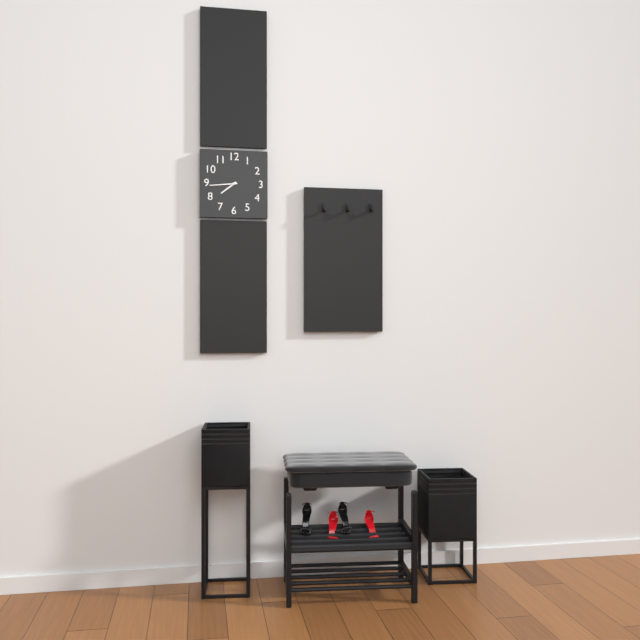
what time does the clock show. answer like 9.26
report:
7.44
